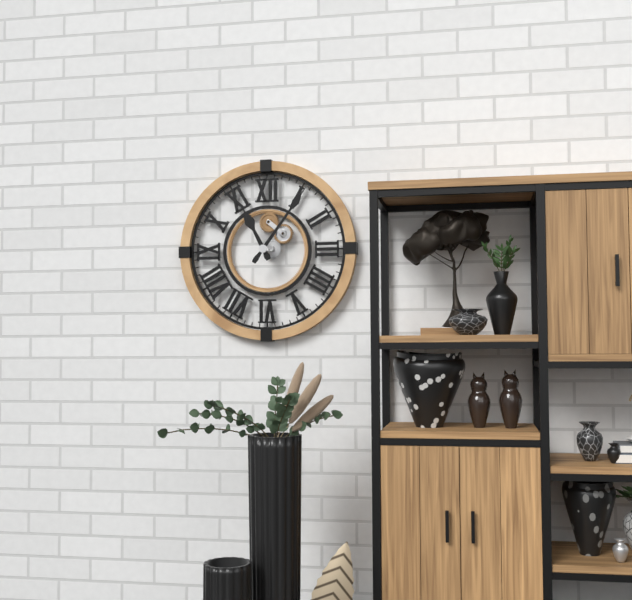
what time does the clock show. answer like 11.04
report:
11.06
